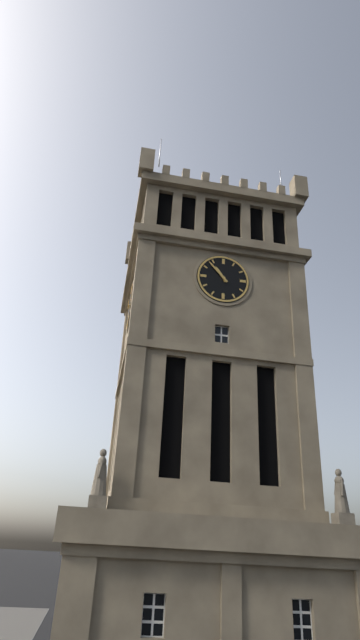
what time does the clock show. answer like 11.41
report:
10.53
